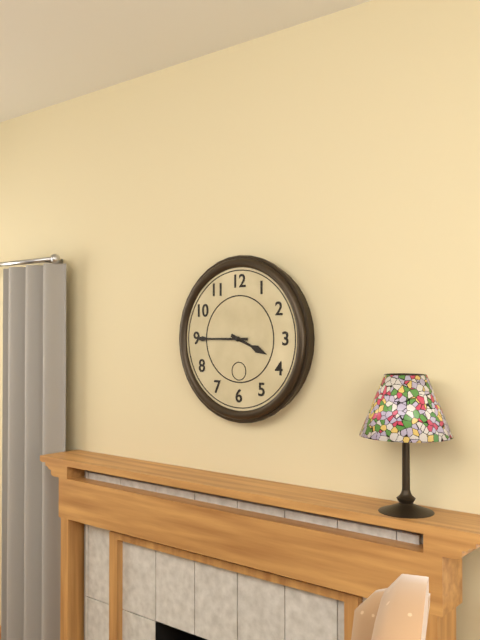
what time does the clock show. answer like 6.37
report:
3.45
